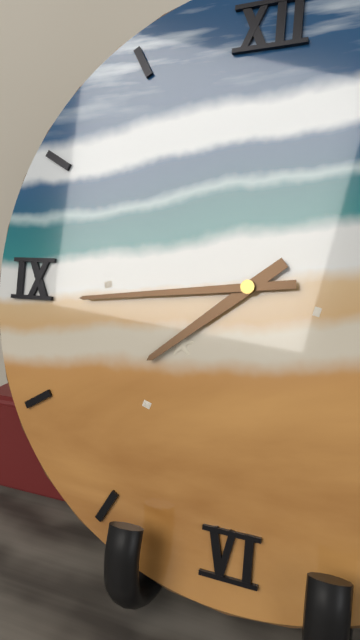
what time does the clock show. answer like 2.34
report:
7.44
